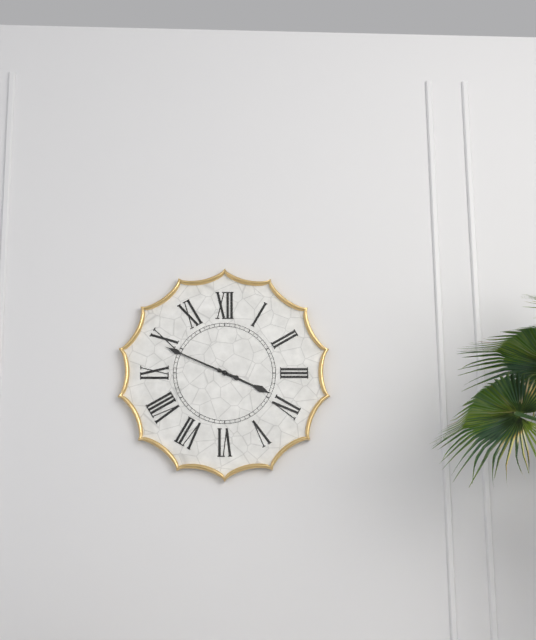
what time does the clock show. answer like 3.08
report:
3.49
